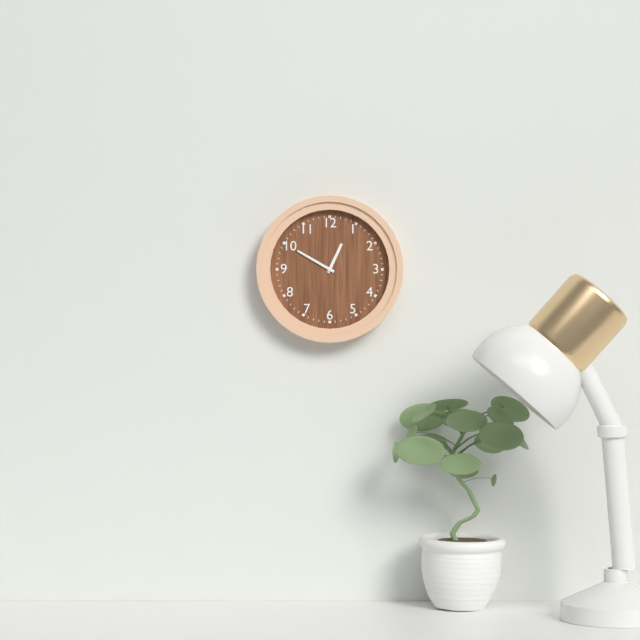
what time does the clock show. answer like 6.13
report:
12.50
